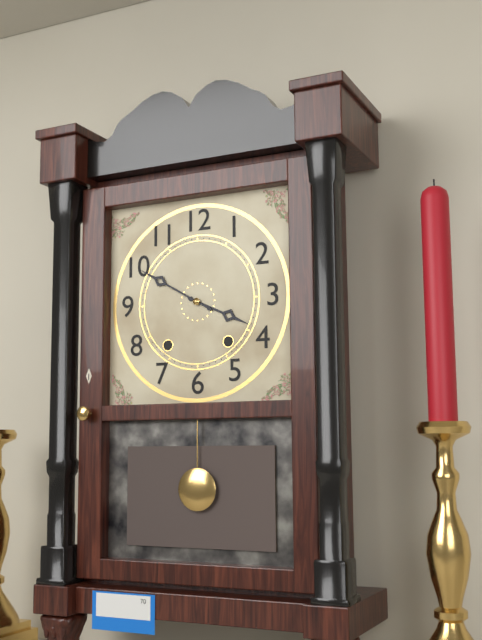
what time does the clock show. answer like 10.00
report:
3.50
